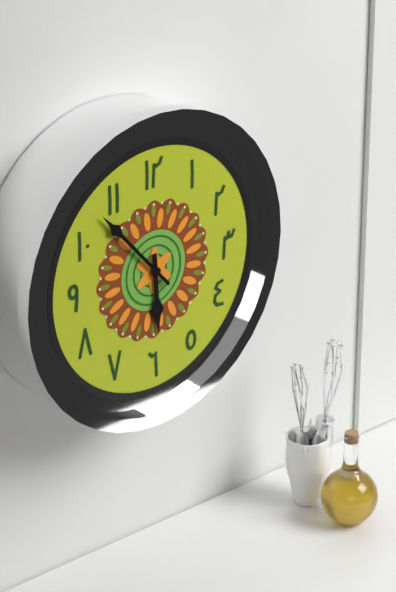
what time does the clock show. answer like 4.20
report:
5.53
